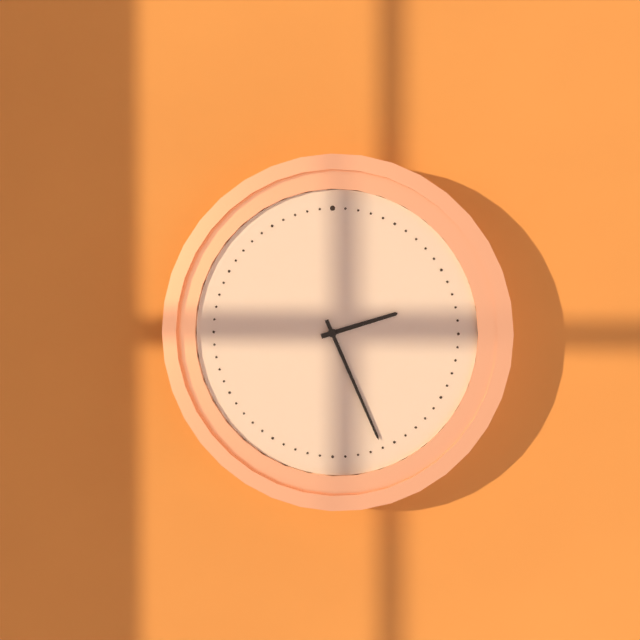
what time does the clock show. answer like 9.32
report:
2.26
